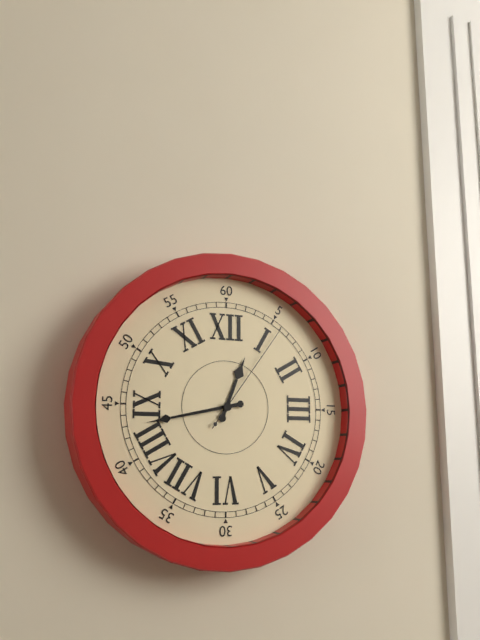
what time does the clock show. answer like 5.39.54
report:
12.43.06
